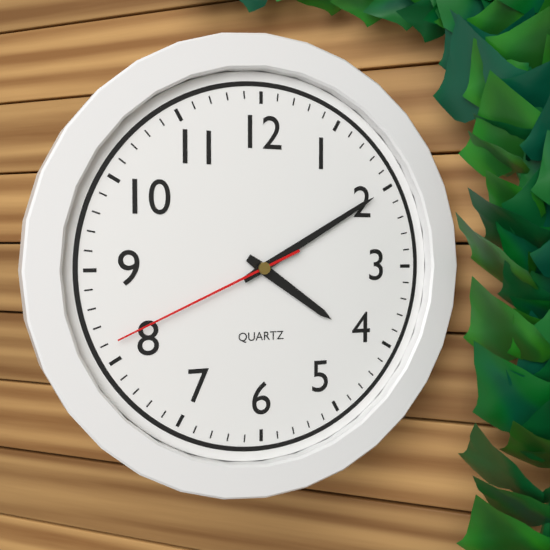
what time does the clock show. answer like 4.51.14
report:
4.10.41
